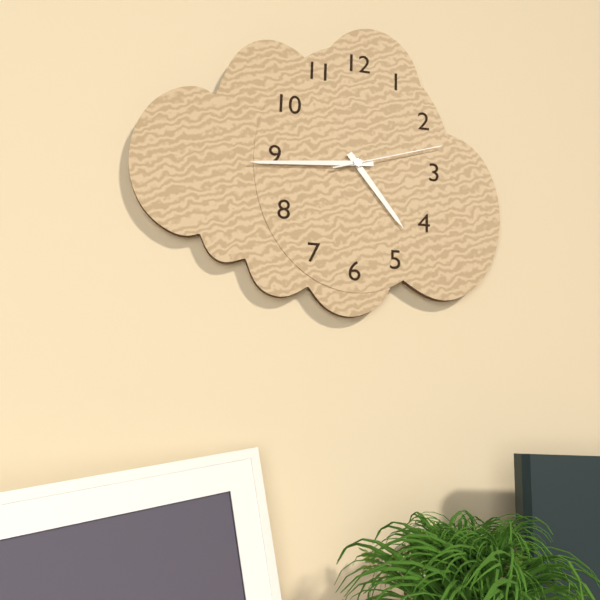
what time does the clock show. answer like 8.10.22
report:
4.44.12
